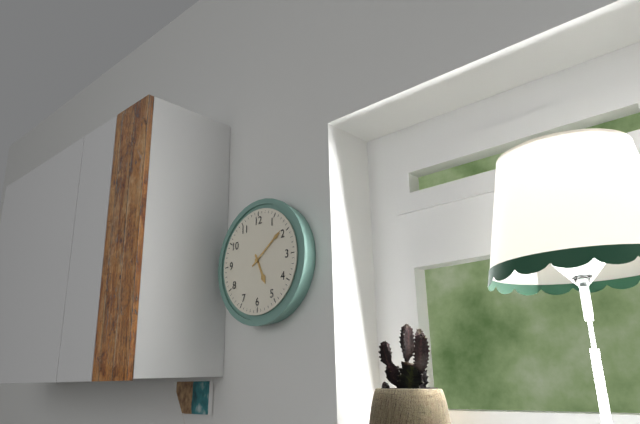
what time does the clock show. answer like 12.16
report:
5.09
